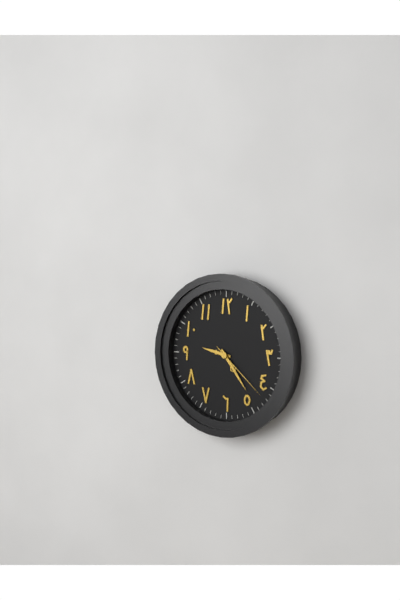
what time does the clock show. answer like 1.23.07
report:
9.24.22
